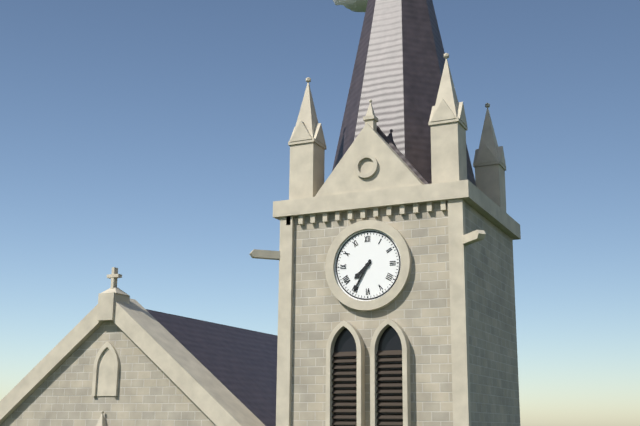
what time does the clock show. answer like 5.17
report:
7.35
